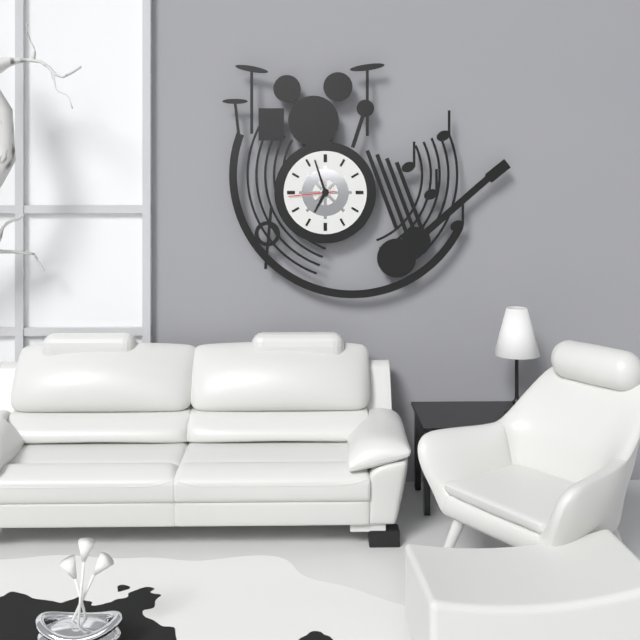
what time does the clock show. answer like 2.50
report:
6.57
